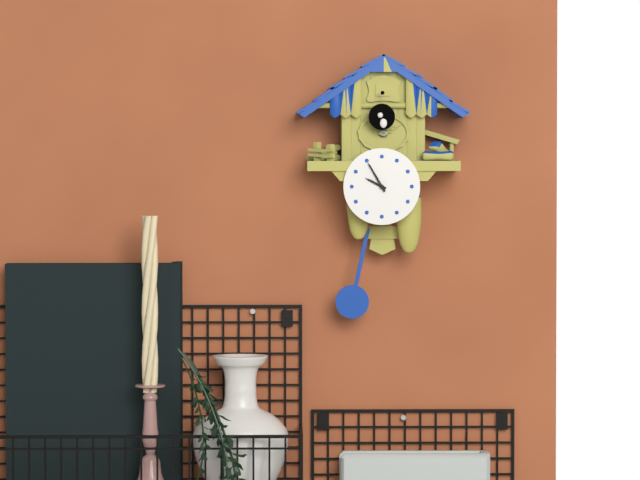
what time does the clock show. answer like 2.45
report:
9.55
